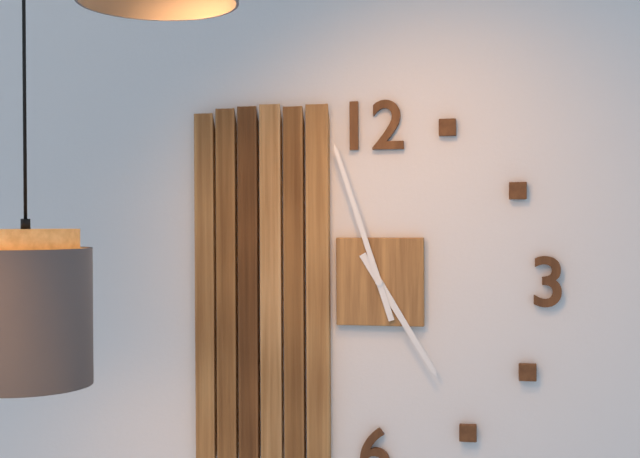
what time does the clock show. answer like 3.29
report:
4.57
